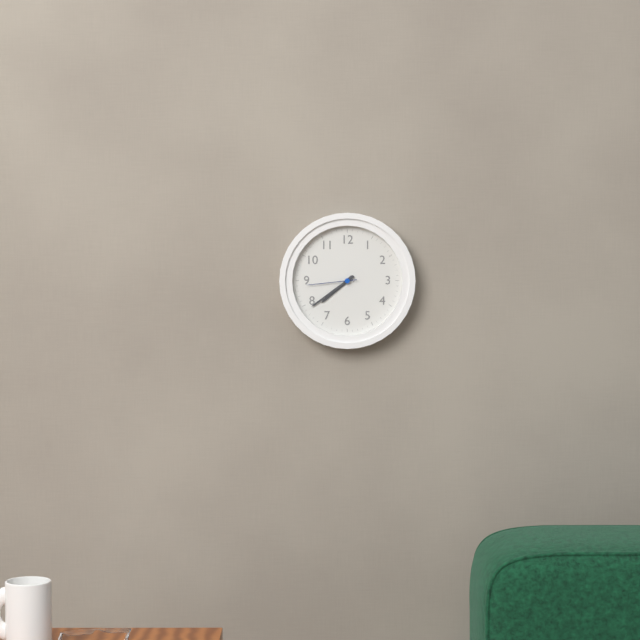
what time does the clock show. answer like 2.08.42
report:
7.39.44
